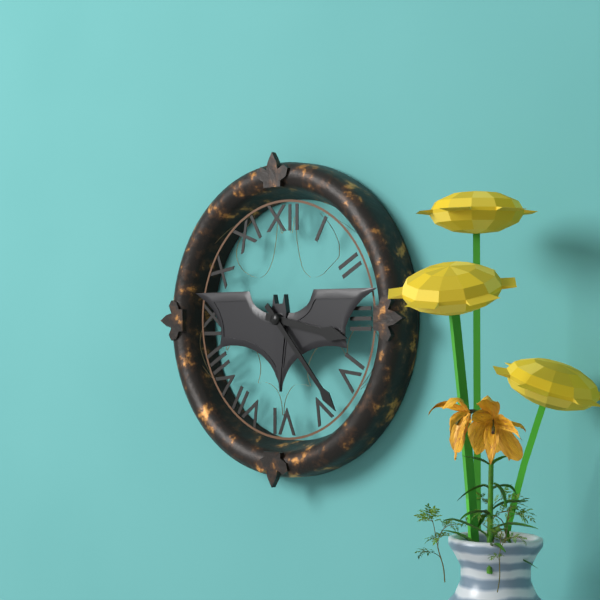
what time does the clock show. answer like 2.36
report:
3.23
